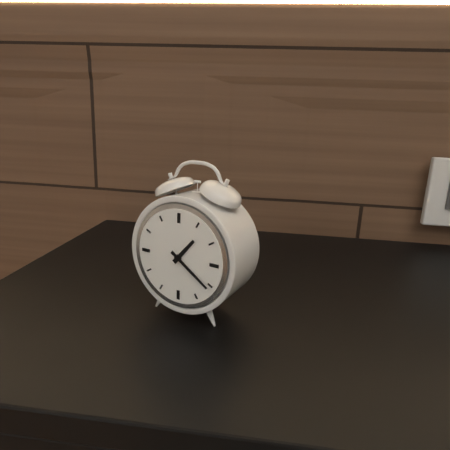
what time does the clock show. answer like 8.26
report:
1.21
